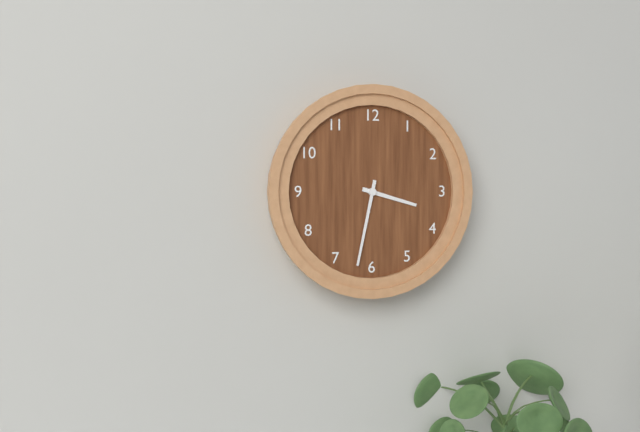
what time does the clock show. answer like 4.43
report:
3.32
